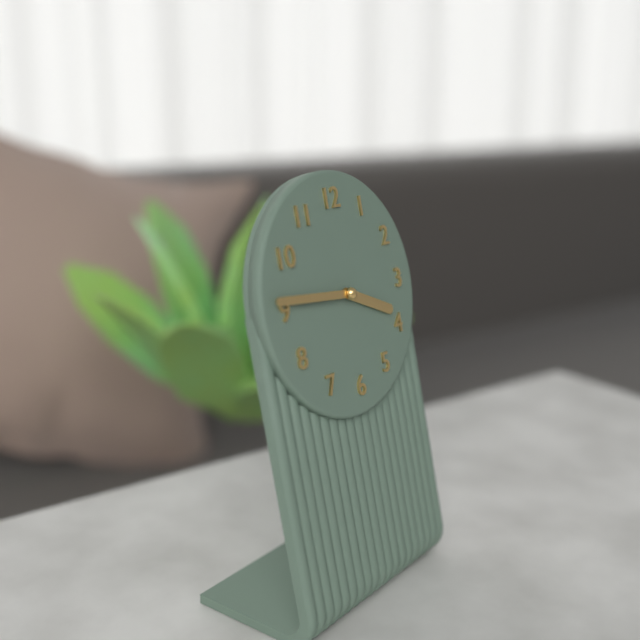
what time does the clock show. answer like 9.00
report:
3.46
